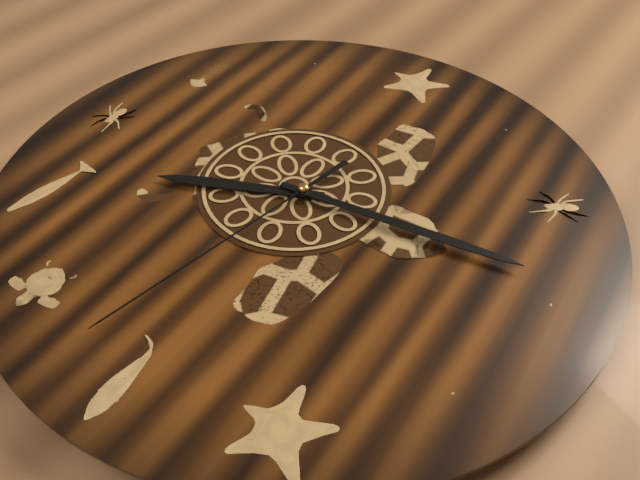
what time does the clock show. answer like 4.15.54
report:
8.14.32
